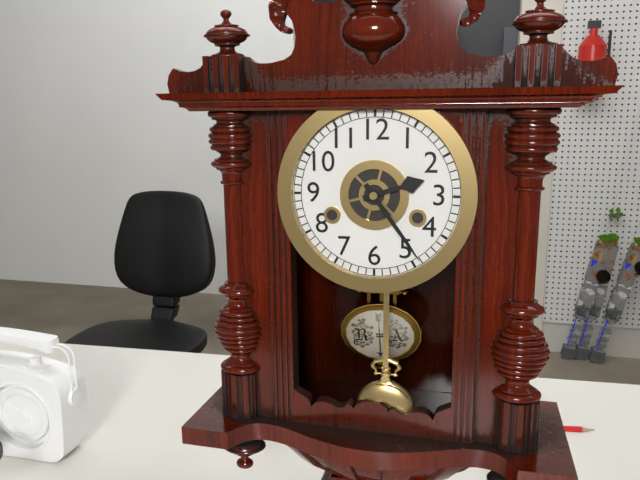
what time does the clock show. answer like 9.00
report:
2.24
